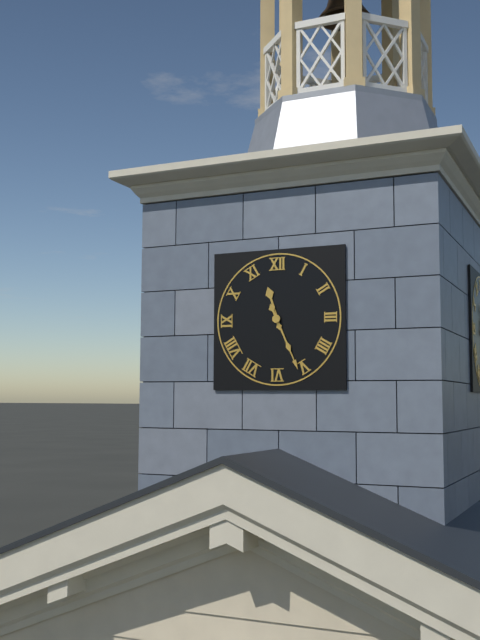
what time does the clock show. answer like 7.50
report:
11.26
